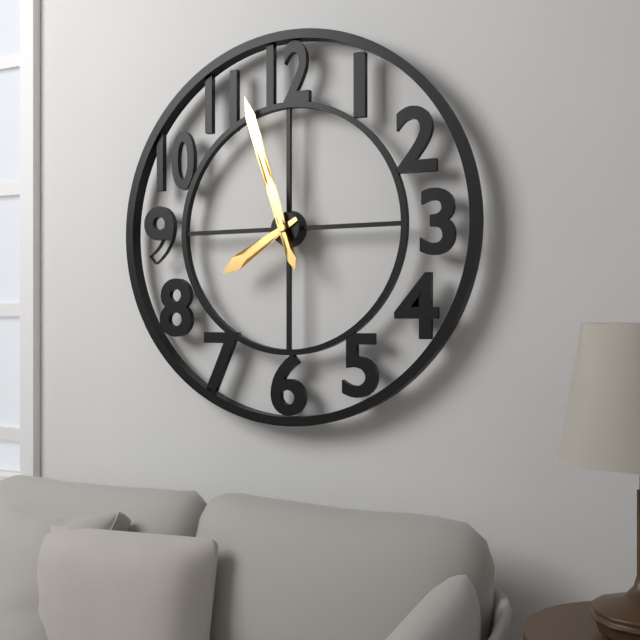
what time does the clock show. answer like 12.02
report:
7.57
